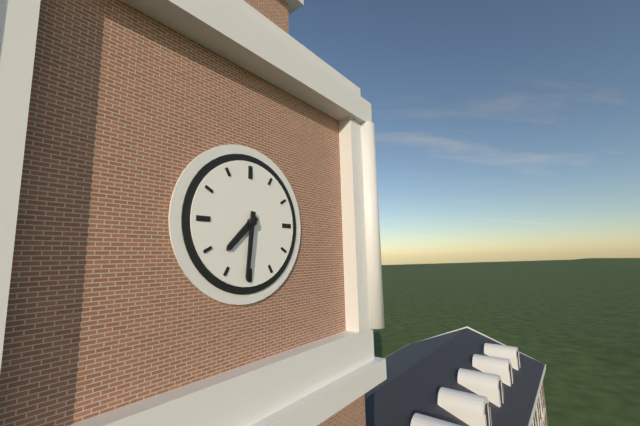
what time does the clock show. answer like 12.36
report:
7.31
